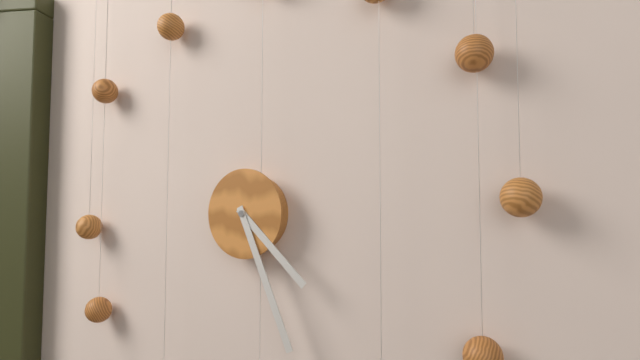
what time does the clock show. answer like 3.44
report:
4.26
